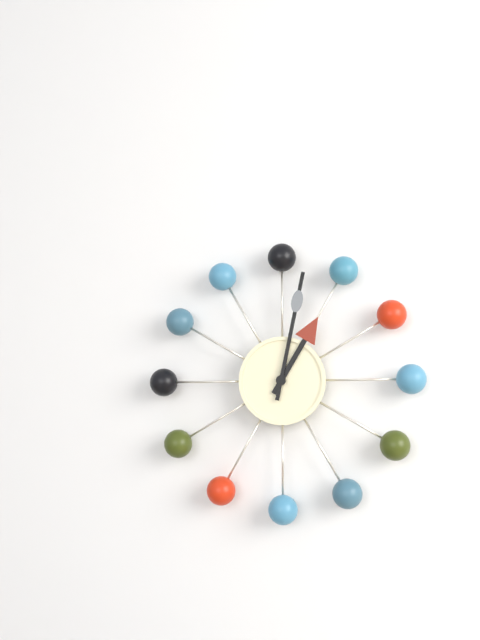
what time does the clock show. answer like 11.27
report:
1.02
